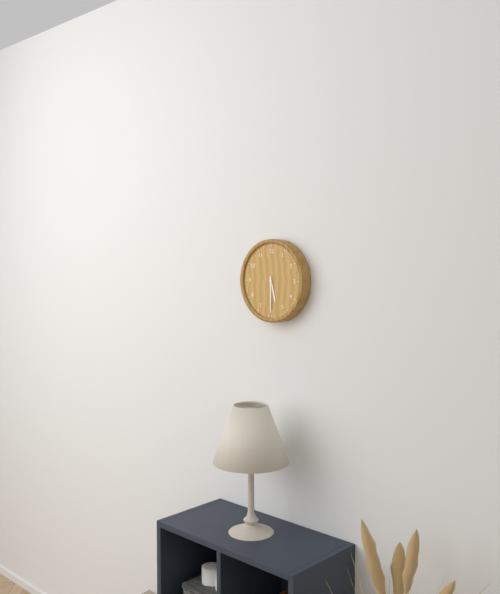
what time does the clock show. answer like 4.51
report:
5.30
